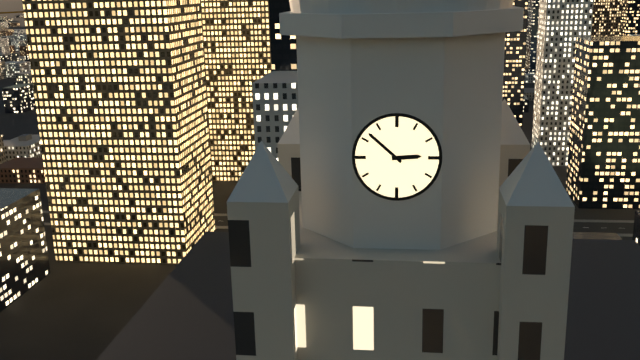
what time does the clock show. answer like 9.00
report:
2.52
